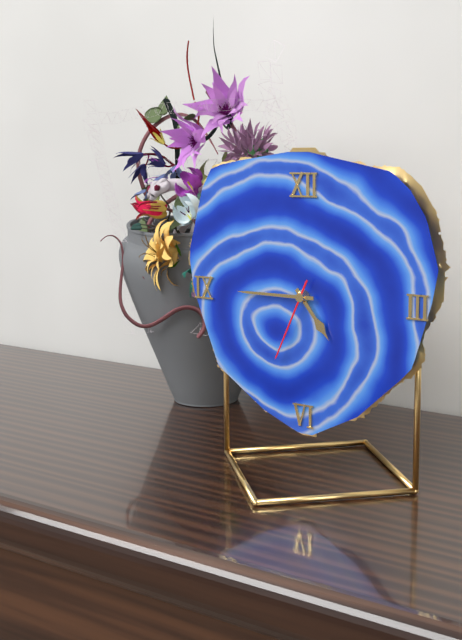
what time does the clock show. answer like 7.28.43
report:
4.45.34
